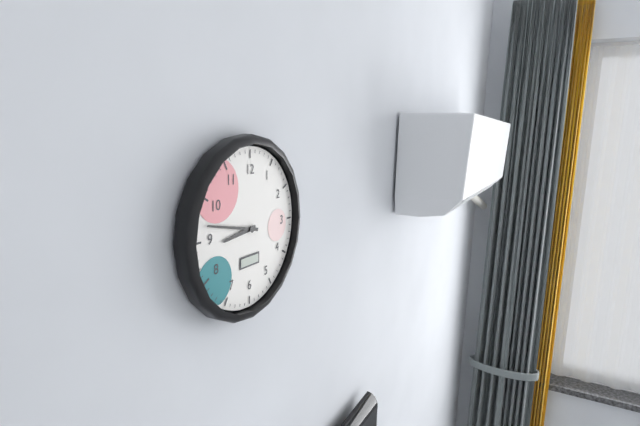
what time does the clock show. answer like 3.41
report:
8.47
